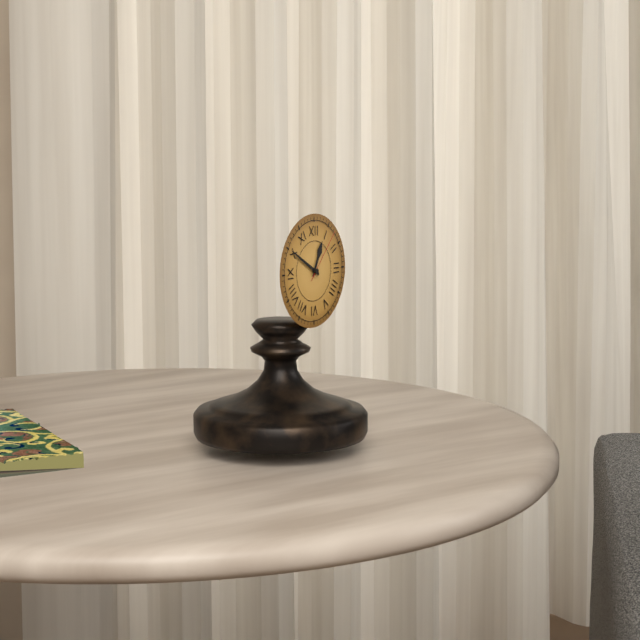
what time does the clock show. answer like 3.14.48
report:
12.50.07
